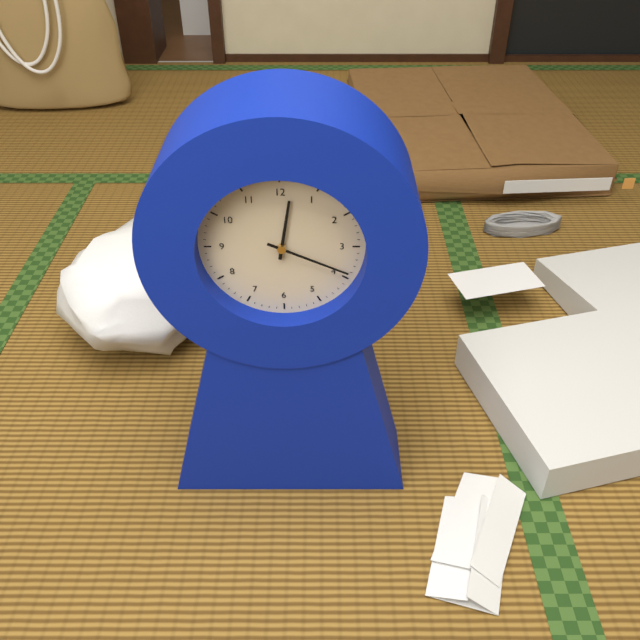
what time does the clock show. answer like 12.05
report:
12.19
